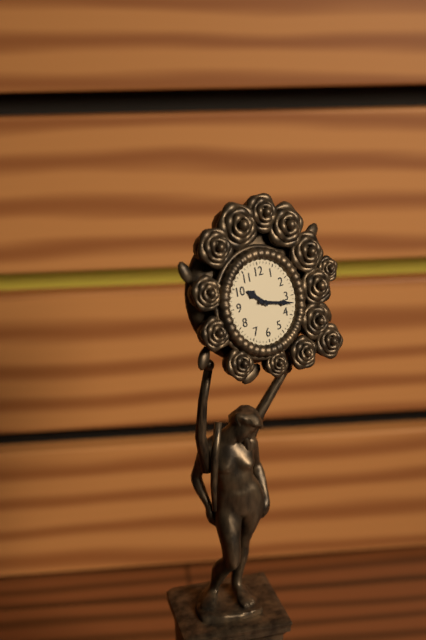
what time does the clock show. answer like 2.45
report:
10.17
